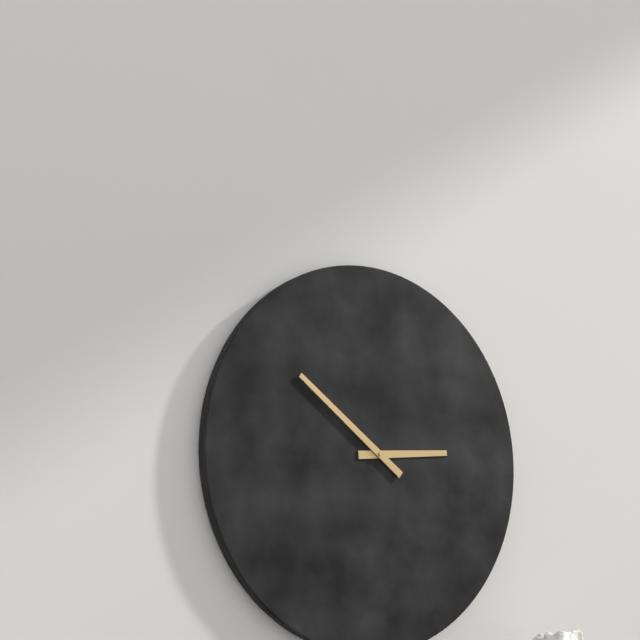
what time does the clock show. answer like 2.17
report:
2.51
